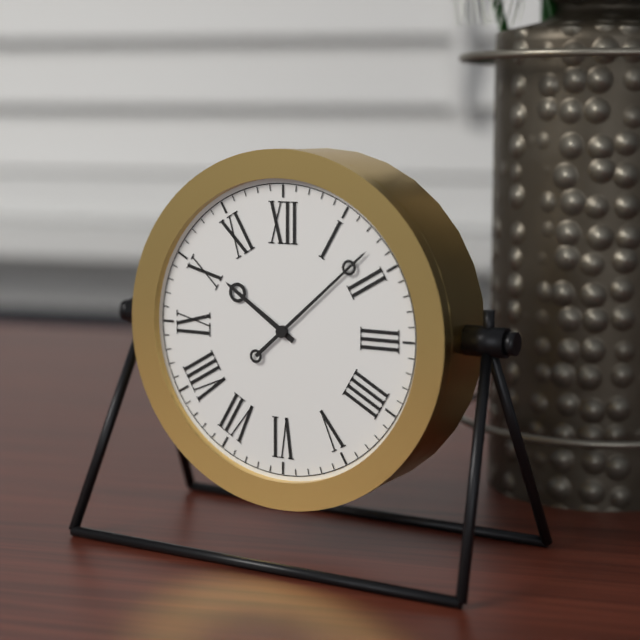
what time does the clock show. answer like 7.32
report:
10.08
